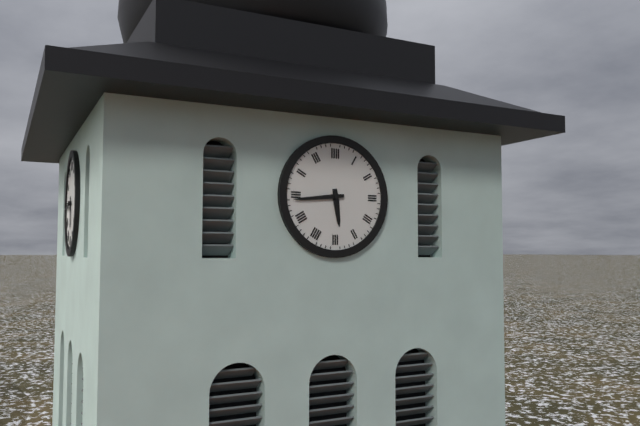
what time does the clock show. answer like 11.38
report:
5.44
